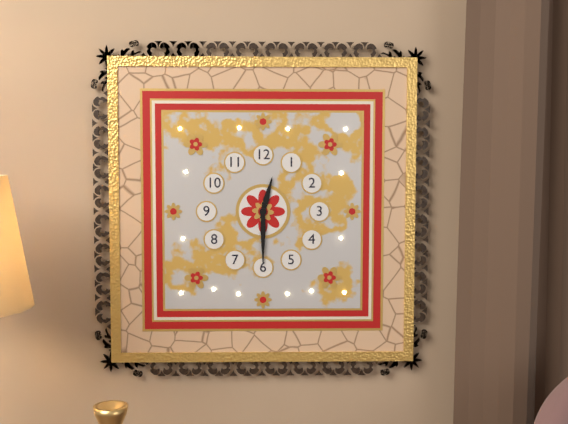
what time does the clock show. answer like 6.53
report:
12.30
